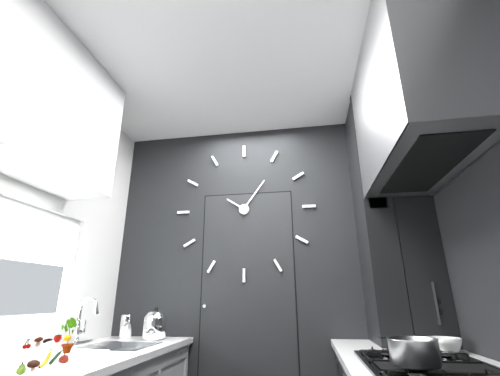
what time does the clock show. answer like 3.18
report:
10.06
